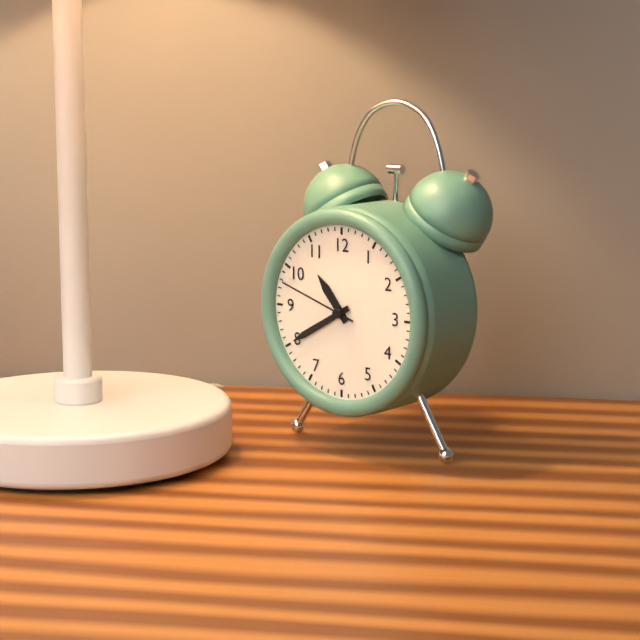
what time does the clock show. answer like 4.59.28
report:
10.40.48
